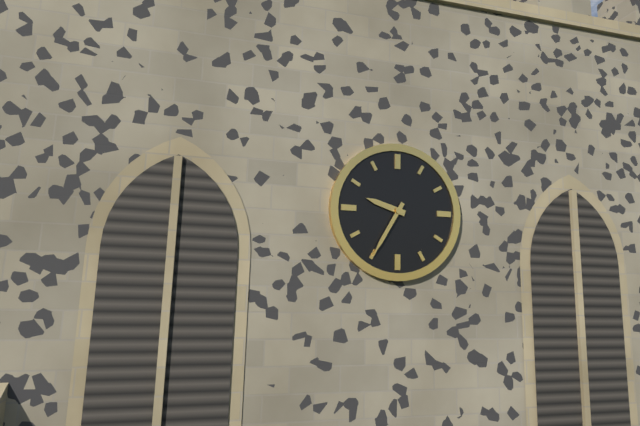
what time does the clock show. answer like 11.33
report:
9.35
